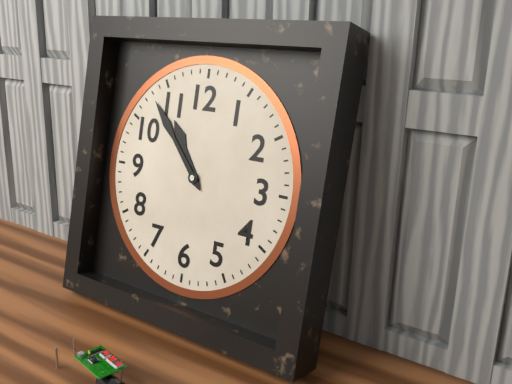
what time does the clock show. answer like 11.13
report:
10.53
